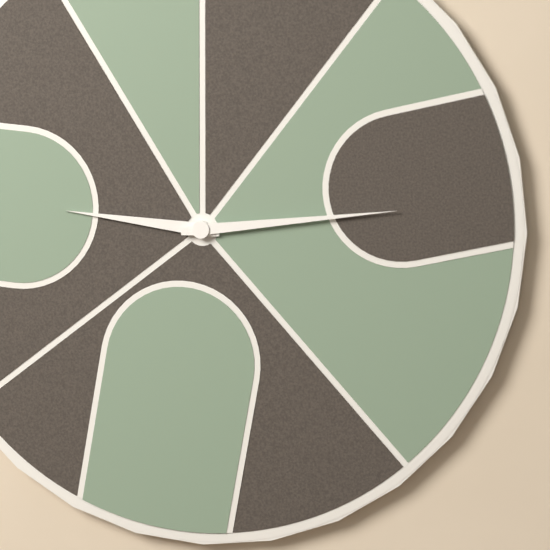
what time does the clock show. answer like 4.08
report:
9.14
